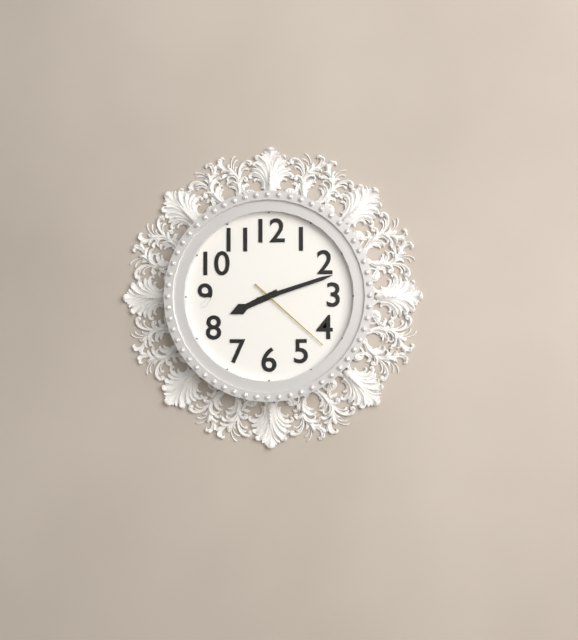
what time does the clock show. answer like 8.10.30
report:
8.12.22
